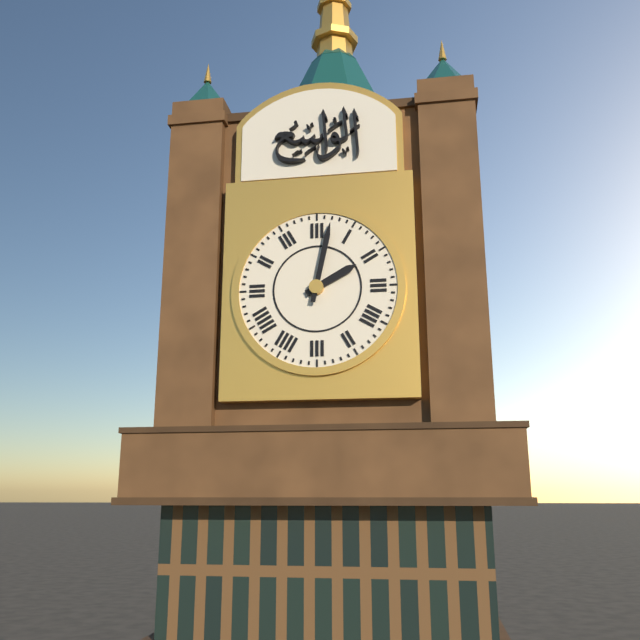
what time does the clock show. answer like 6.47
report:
2.02
